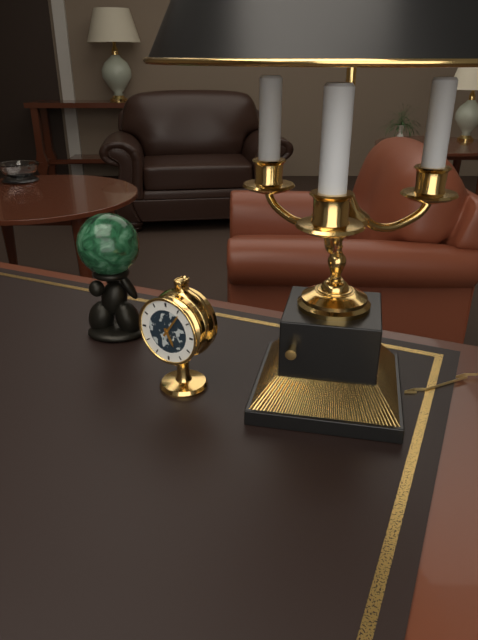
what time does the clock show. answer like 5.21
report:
5.06
